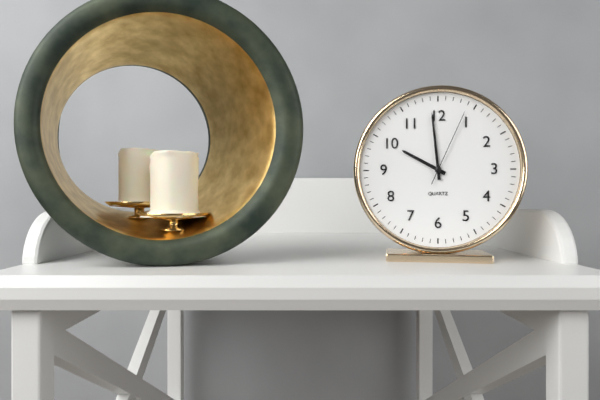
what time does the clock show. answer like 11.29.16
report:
9.59.04
